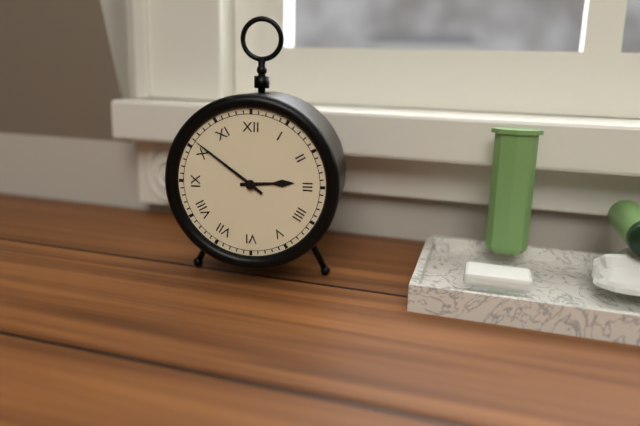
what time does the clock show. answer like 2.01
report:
2.51
